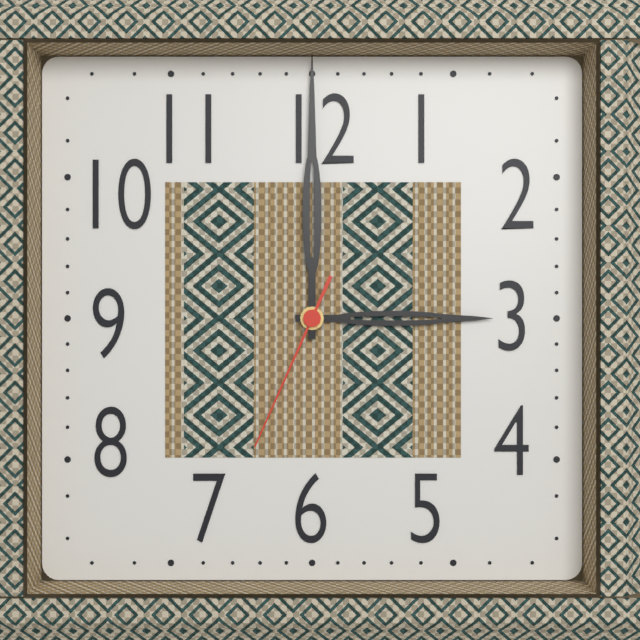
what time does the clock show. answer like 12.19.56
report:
3.00.34
